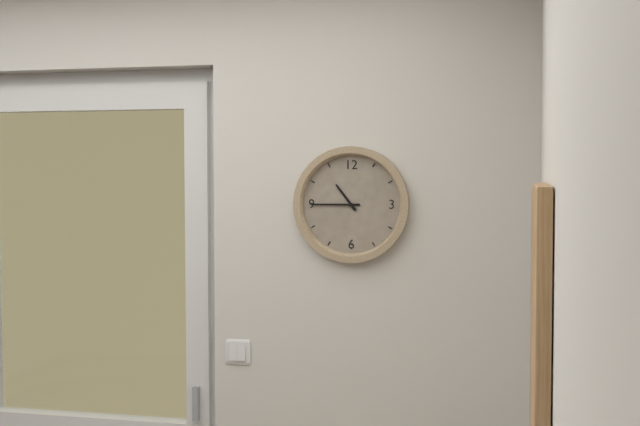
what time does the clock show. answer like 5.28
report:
10.45
